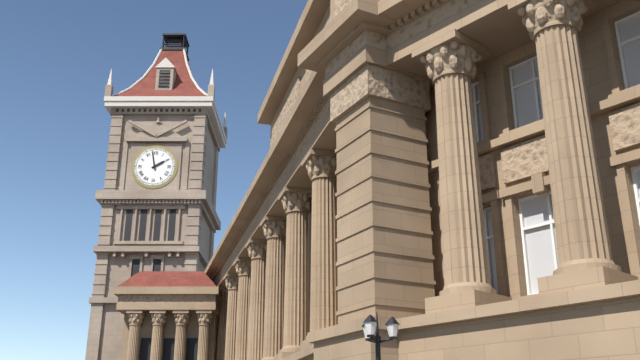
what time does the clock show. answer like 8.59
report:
1.58
